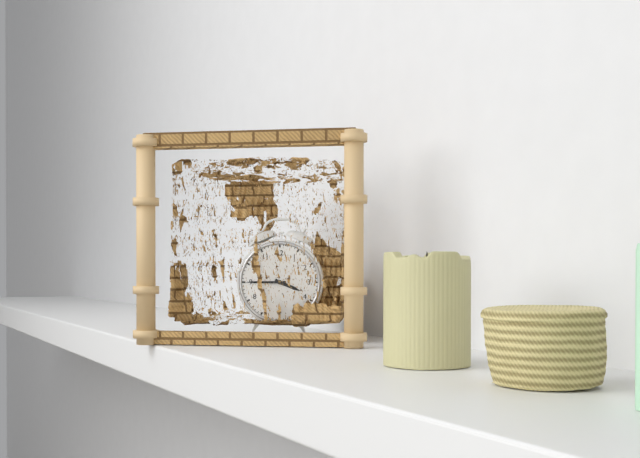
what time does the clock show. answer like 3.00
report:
3.45
